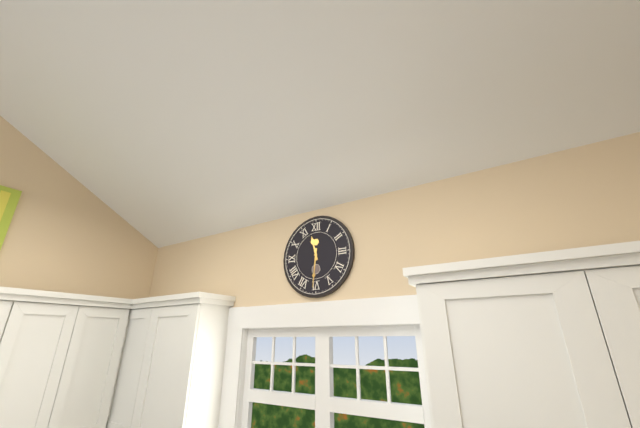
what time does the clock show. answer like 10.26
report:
11.31
